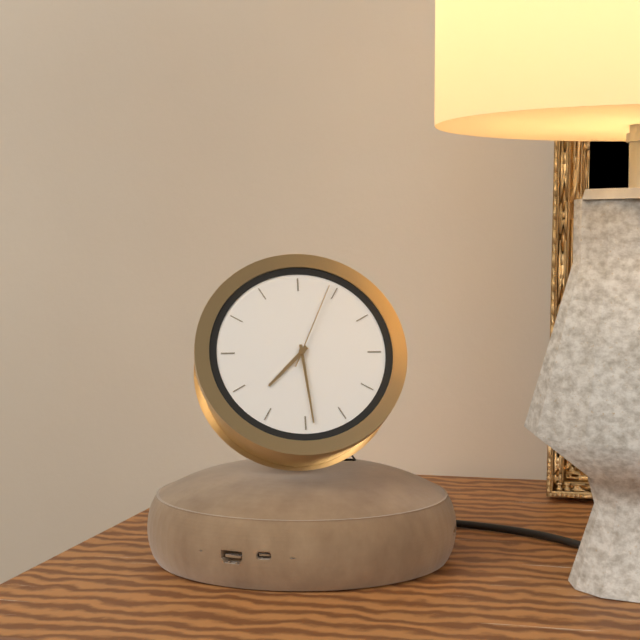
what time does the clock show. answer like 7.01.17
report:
7.29.04
